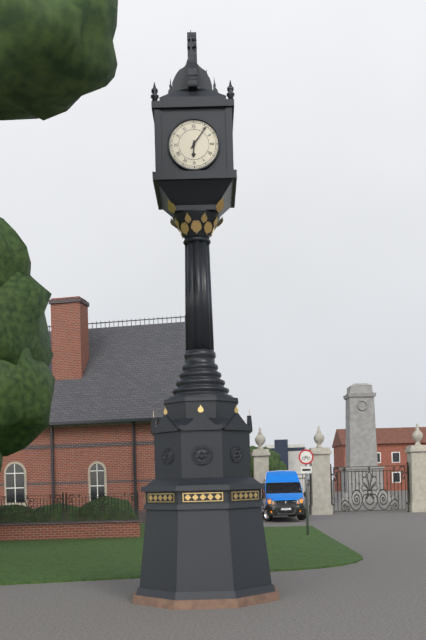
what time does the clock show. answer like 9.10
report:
6.06
